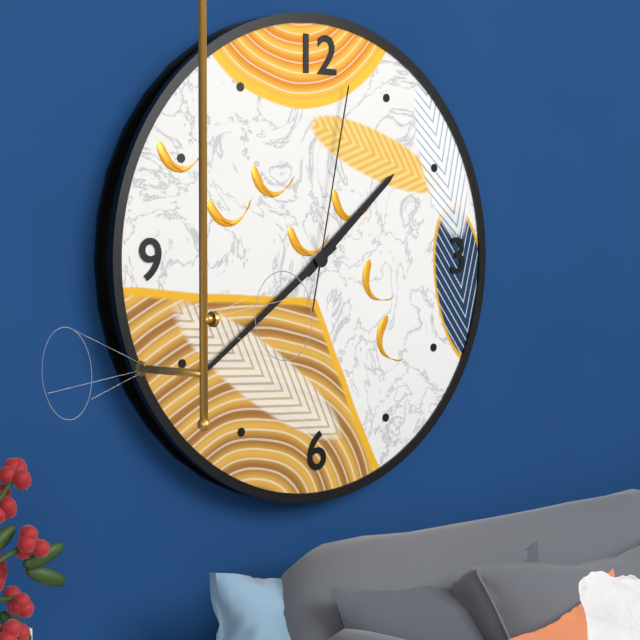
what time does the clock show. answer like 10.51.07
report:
1.39.02
